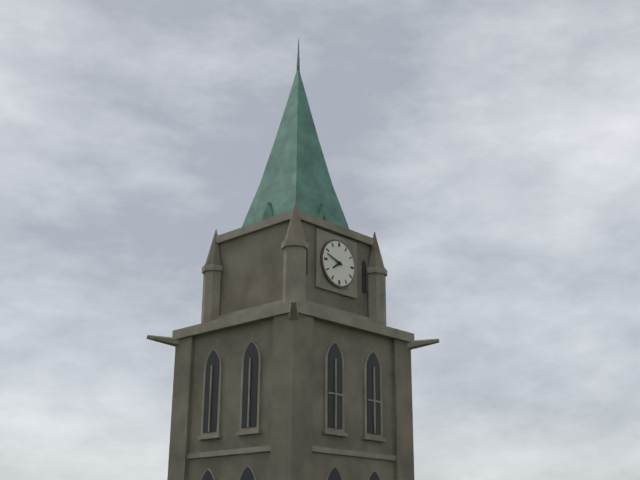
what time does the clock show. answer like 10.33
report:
7.48
